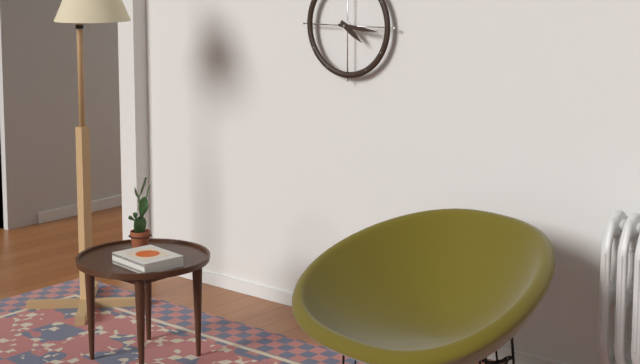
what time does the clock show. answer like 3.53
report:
4.16
